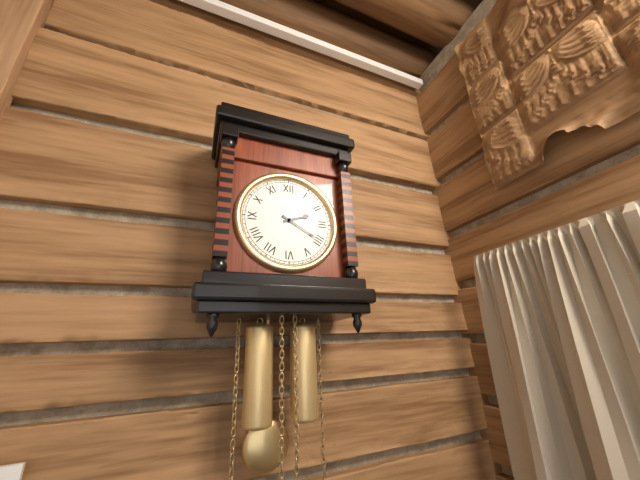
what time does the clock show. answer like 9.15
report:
2.20
